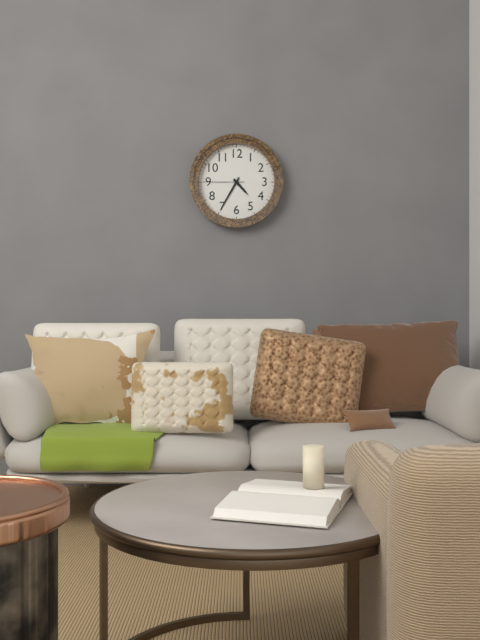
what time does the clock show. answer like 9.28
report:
4.35
